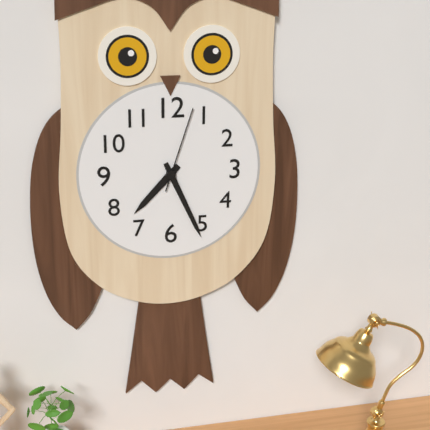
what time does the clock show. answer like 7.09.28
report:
7.26.03
